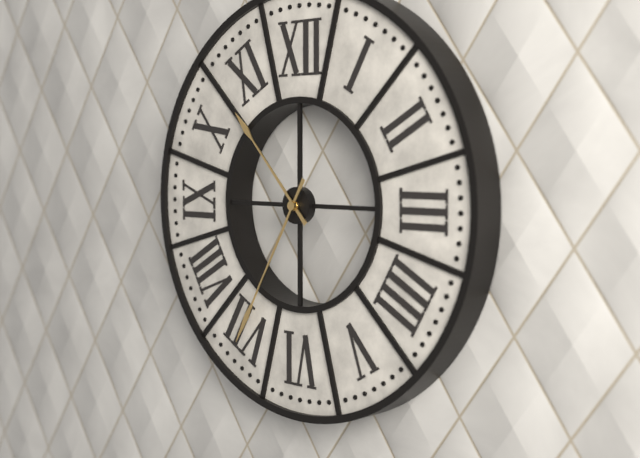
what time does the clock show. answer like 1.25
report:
10.35
